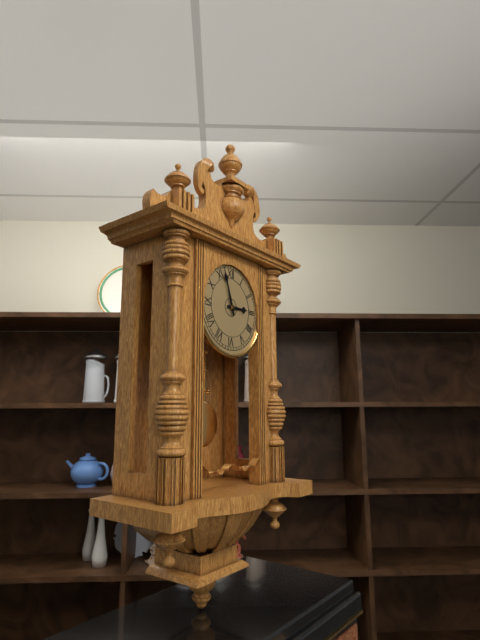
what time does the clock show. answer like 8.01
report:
2.57
